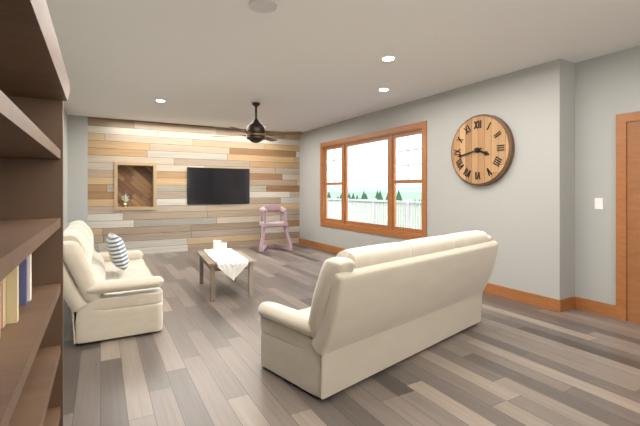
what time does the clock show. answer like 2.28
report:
3.43
